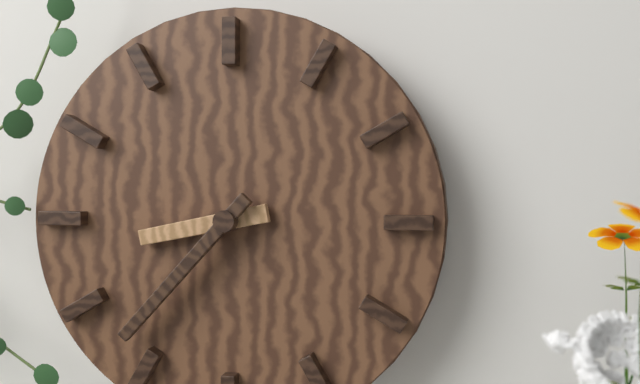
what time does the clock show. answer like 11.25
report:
8.37
